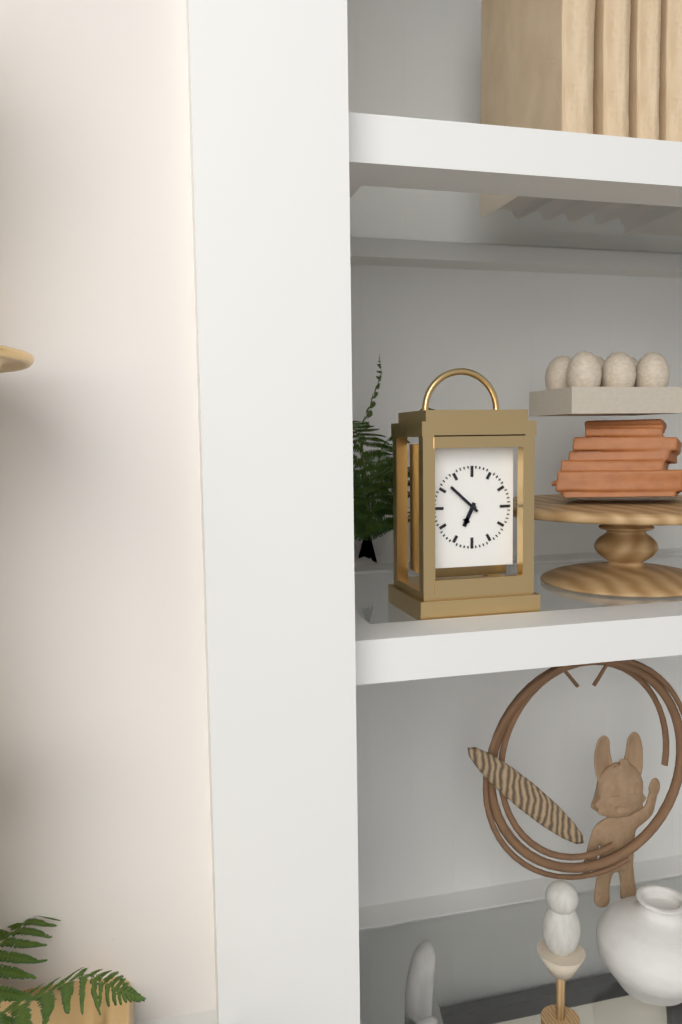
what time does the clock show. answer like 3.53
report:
6.52
